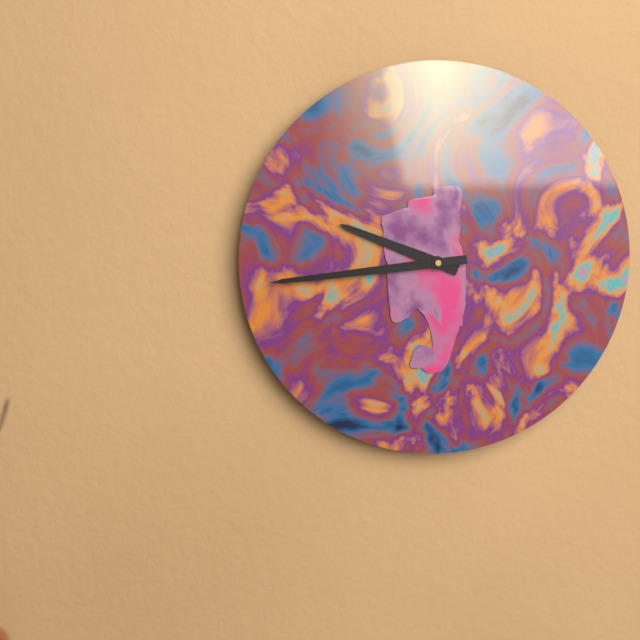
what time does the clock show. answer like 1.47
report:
9.44
